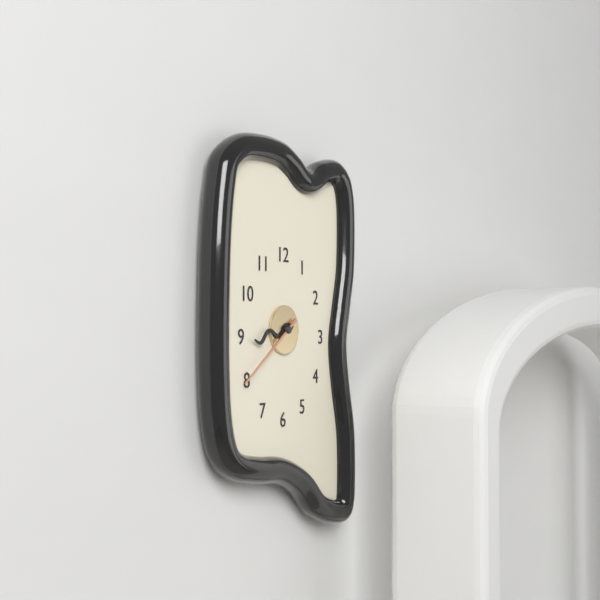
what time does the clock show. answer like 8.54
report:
8.39
